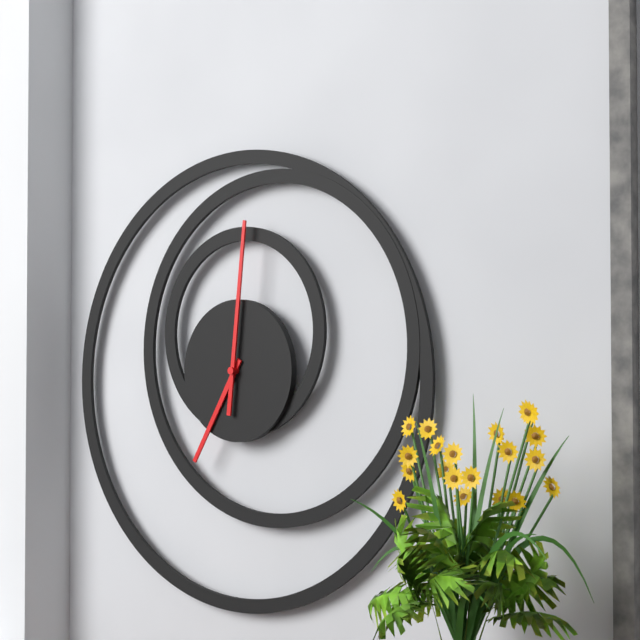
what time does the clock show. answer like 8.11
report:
7.01
